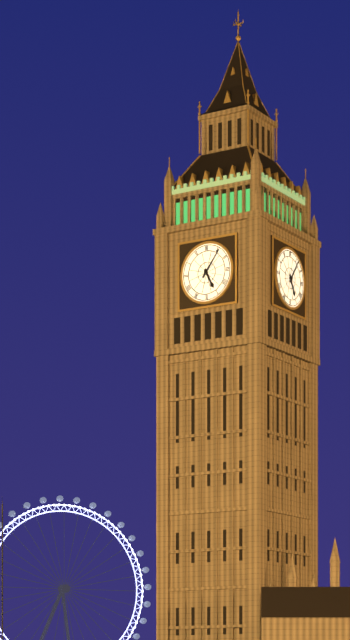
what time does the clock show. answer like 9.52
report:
5.06
